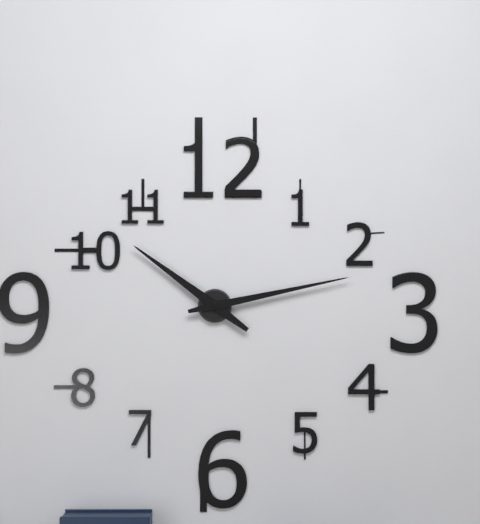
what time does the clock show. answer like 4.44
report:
10.13
